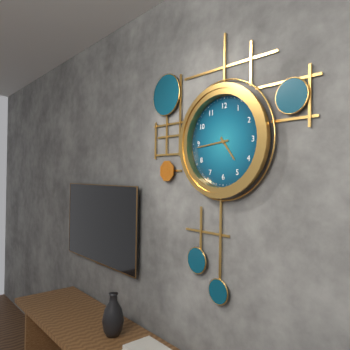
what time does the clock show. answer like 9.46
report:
4.44
